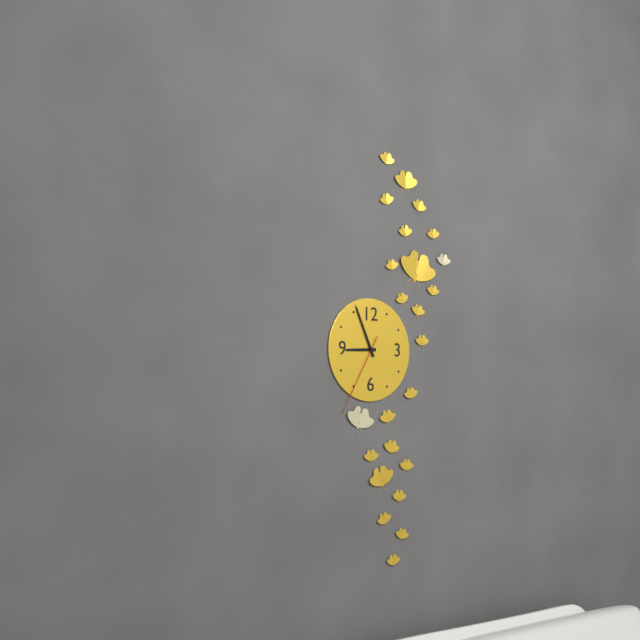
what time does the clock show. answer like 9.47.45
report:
8.56.35
